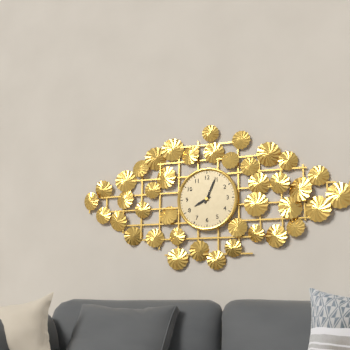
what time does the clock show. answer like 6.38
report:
8.04
